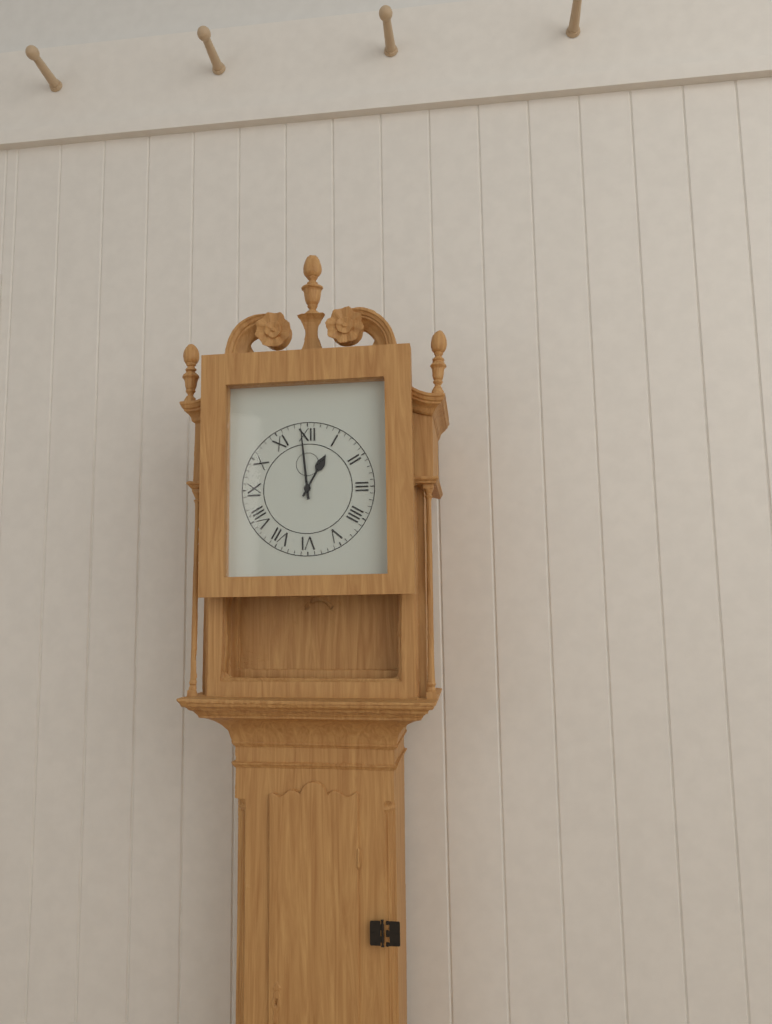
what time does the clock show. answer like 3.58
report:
12.59
